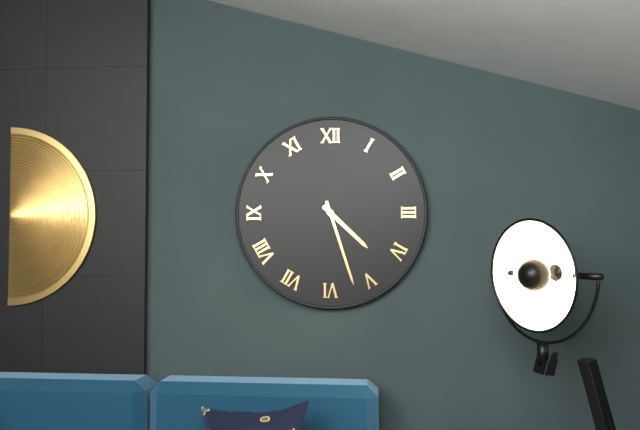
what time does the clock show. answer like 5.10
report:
4.27
